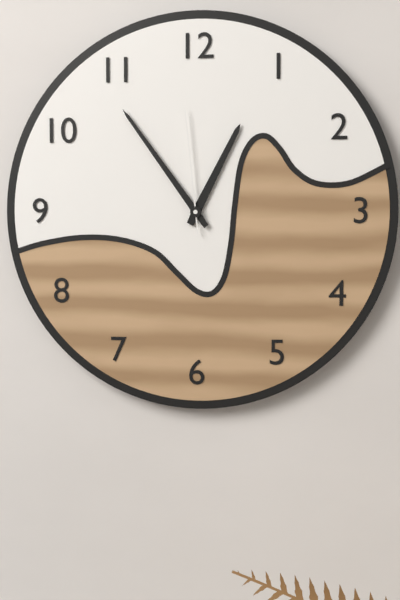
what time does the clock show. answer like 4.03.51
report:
12.54.59
